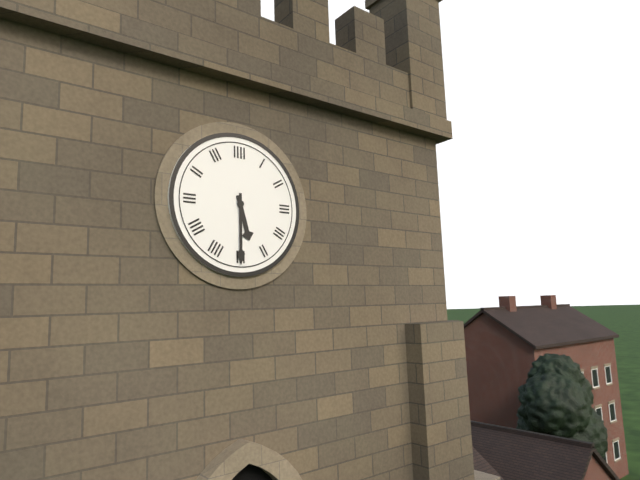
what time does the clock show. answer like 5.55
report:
5.30
